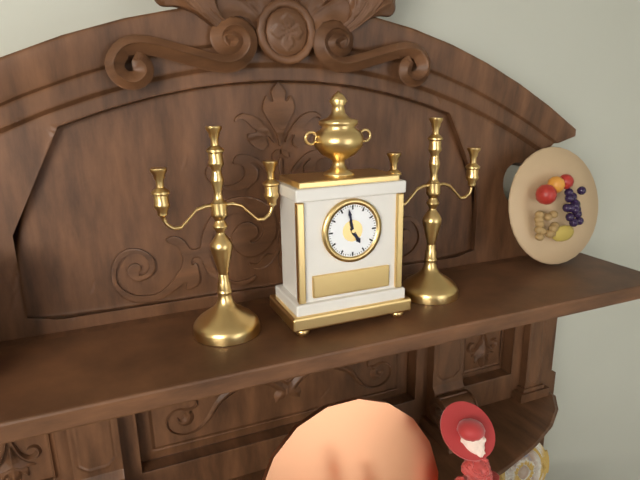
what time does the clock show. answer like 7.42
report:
4.58
